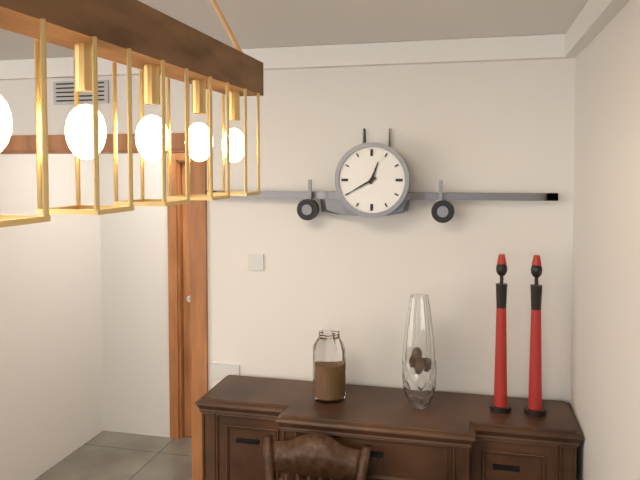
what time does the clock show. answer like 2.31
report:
12.40
